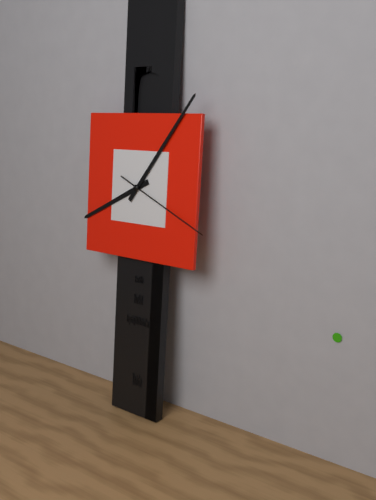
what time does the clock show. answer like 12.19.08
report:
8.06.19
